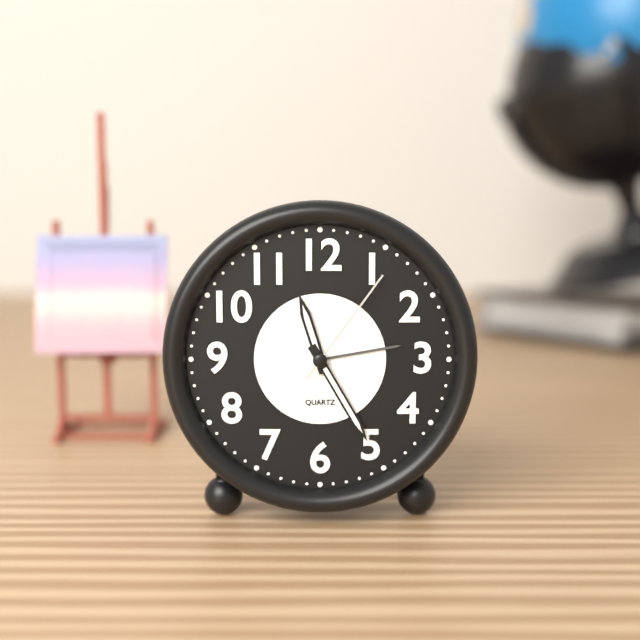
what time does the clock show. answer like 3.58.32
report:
11.25.06
